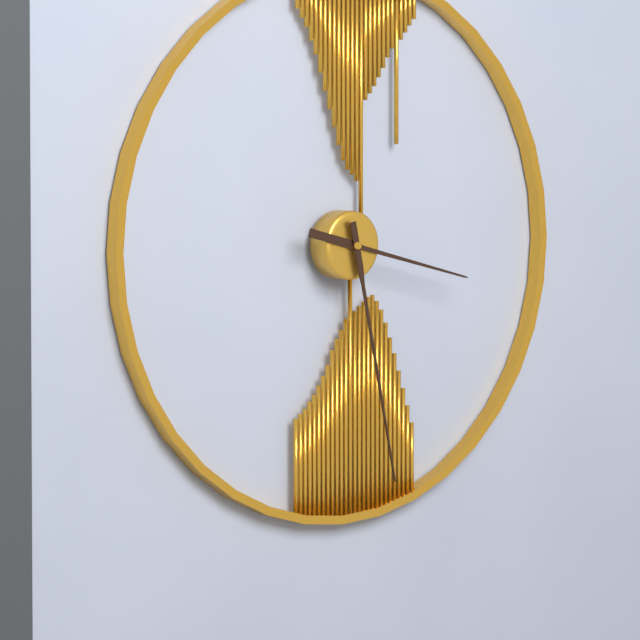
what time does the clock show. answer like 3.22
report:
3.28
